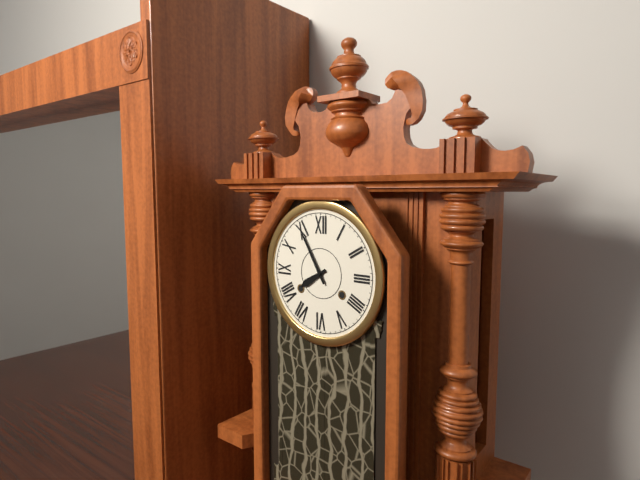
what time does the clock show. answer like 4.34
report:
7.55
